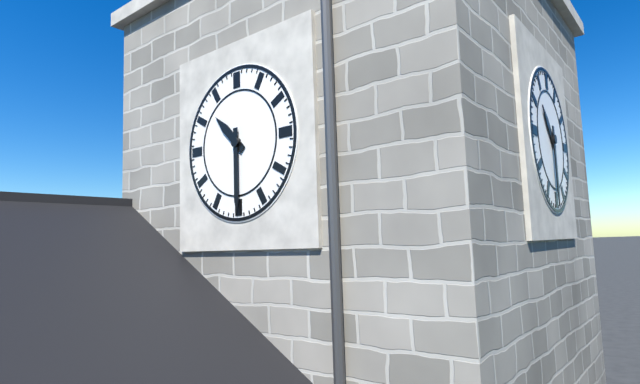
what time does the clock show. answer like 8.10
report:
10.30
